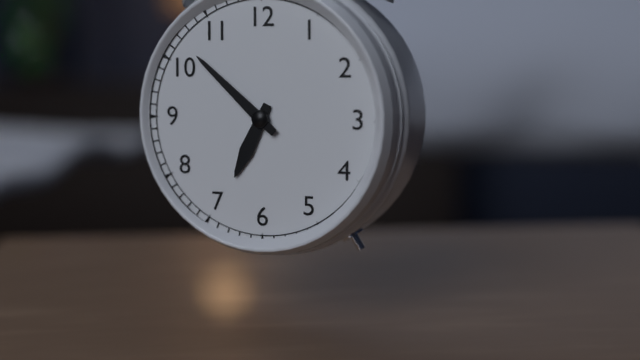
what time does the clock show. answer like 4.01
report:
6.52
